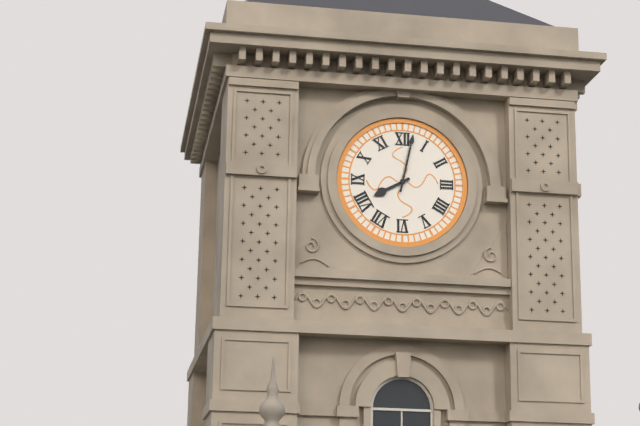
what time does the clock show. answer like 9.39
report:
8.02
